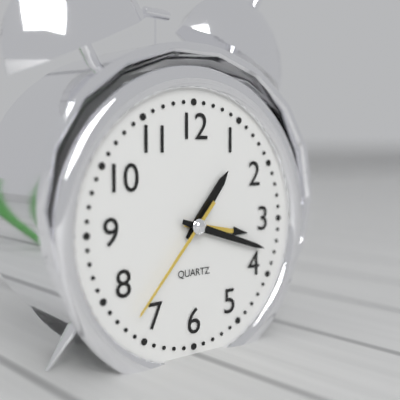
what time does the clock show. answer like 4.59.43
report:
1.18.37
